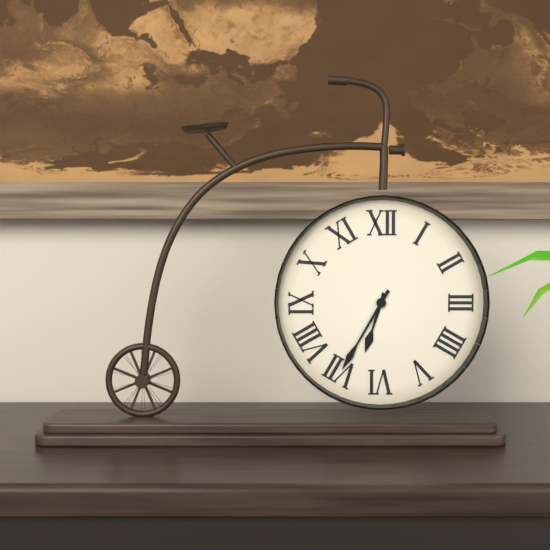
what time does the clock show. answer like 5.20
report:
6.35
